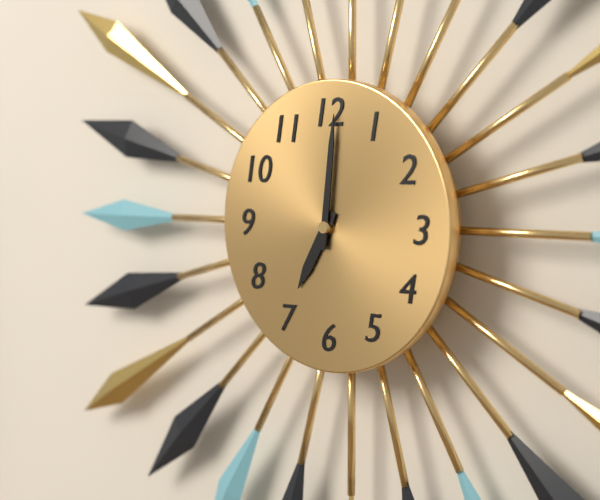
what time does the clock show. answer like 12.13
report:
7.01
